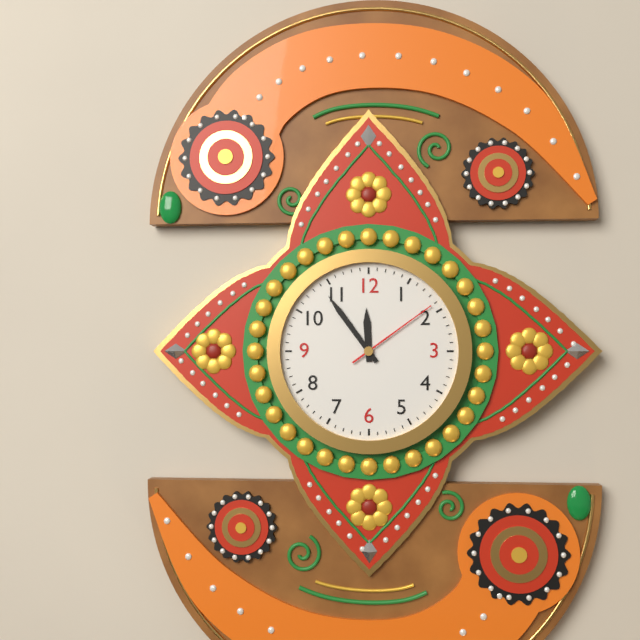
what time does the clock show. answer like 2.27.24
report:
11.54.09
